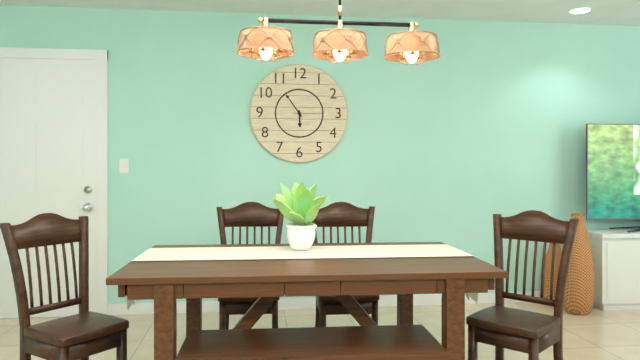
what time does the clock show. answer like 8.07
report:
5.54
